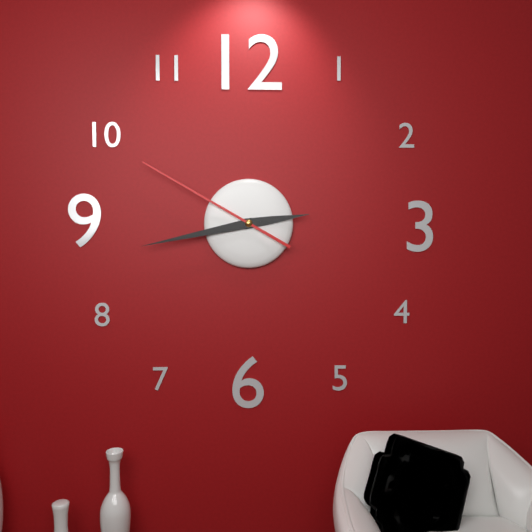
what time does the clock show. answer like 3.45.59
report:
2.43.50
